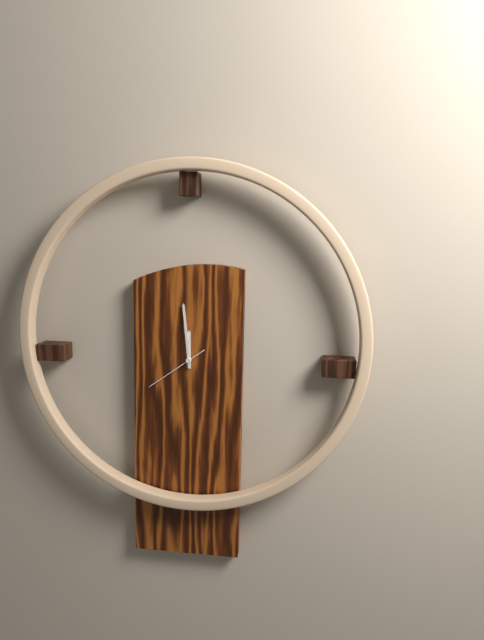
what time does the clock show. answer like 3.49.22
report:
11.59.39
